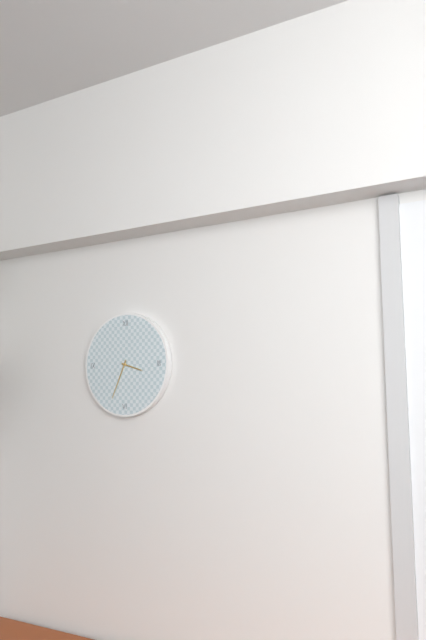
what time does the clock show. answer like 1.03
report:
3.34
